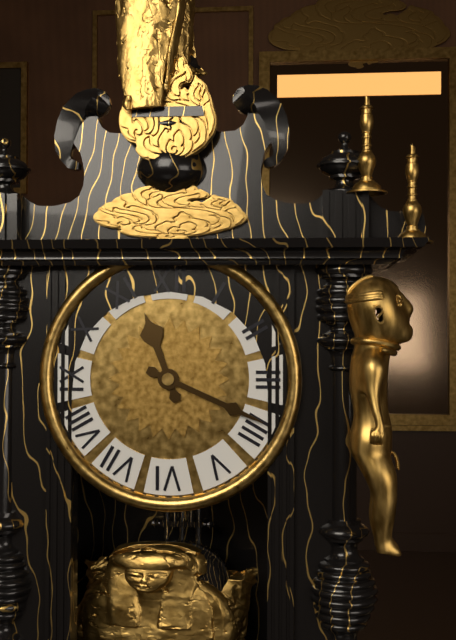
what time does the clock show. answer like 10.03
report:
11.19
